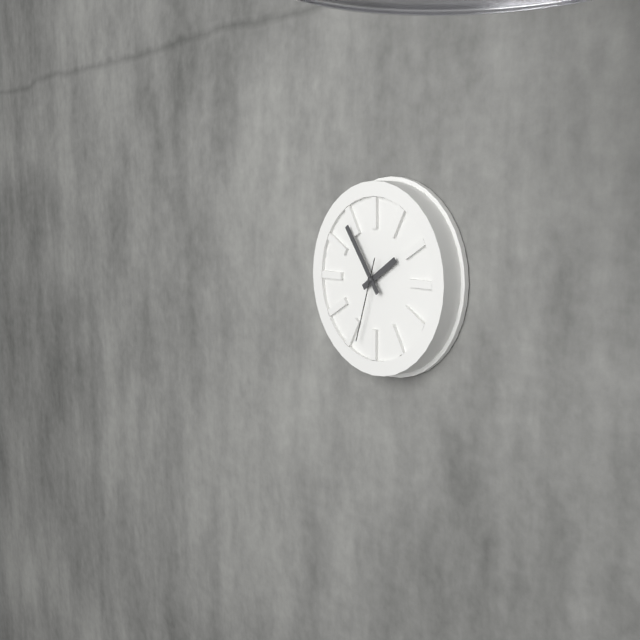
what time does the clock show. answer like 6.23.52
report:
1.54.33
